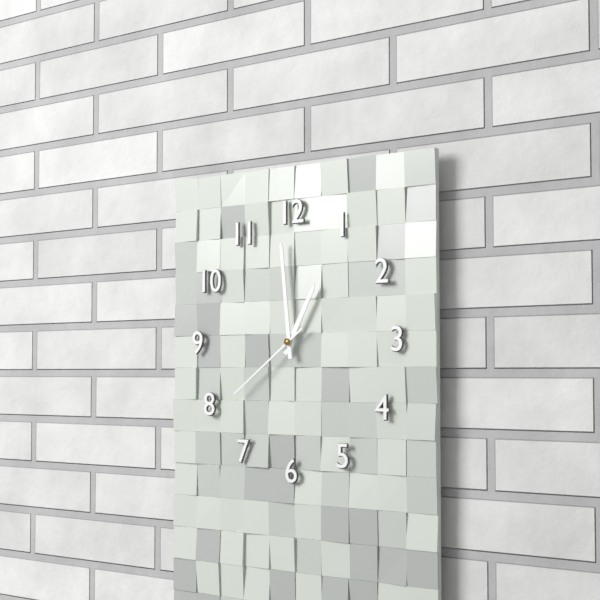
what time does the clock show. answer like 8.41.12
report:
12.59.39
